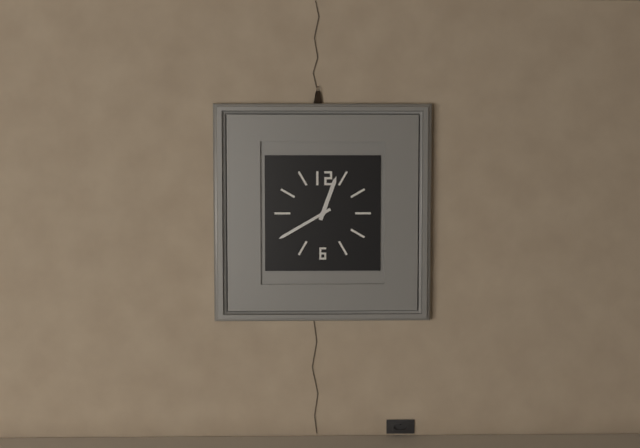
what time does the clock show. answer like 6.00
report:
12.40
